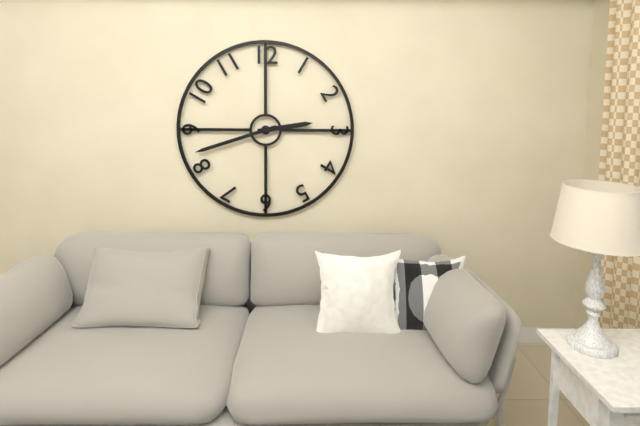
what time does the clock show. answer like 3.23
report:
2.42
